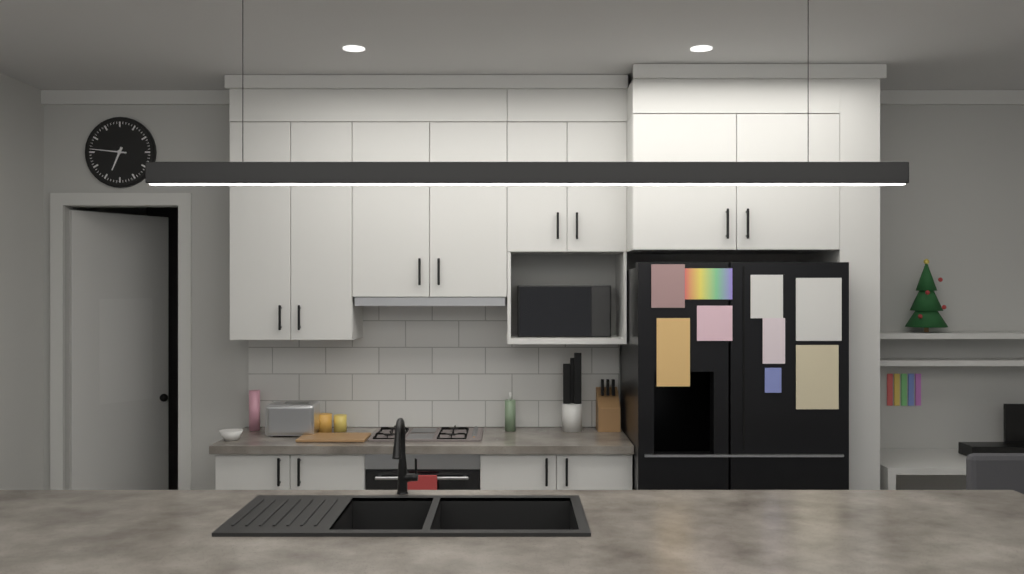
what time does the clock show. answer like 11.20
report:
6.46
